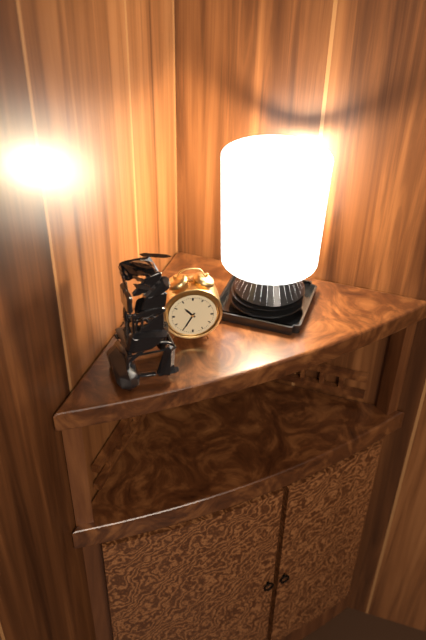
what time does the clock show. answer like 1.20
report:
10.35
